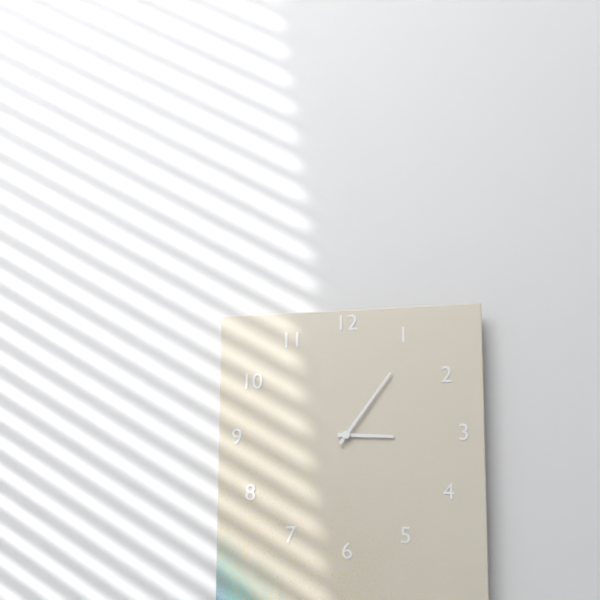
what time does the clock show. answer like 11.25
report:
3.06
